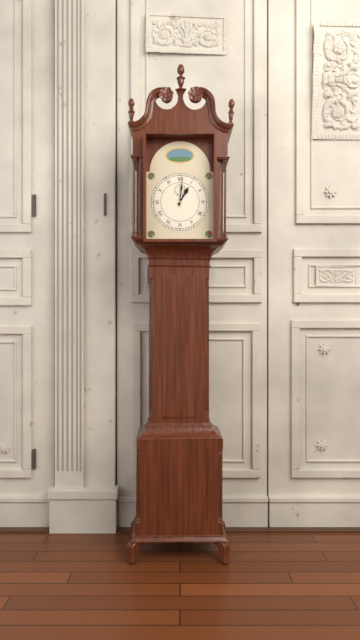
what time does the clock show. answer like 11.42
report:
1.01
